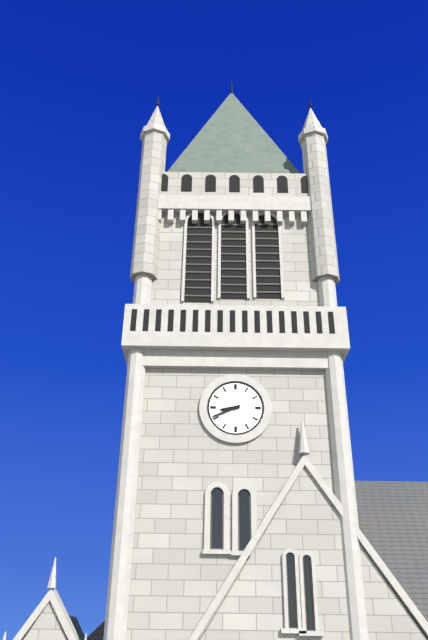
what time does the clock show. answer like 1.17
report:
8.41
